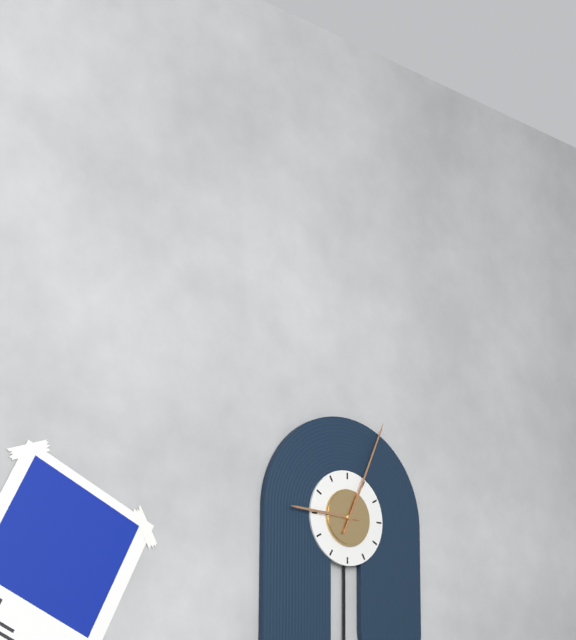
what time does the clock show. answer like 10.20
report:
9.04
